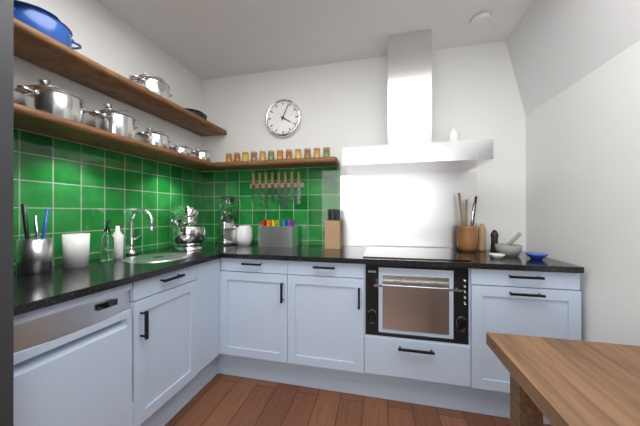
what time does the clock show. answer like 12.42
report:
4.04
